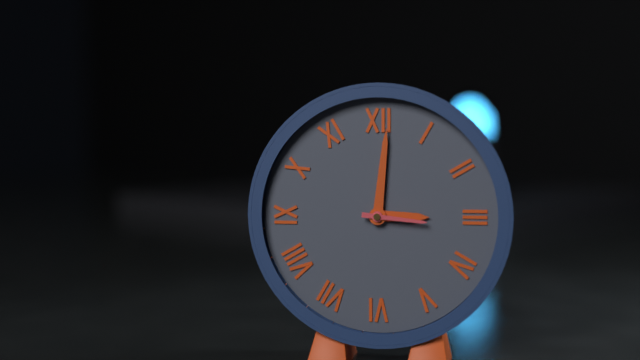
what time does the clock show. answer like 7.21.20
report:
3.01.16
